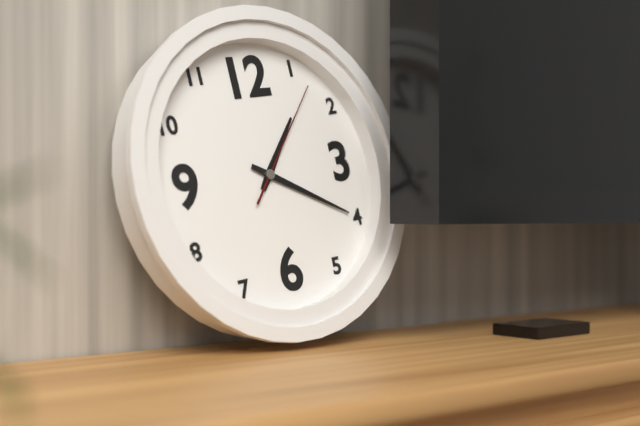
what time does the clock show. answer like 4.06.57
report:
1.20.07
